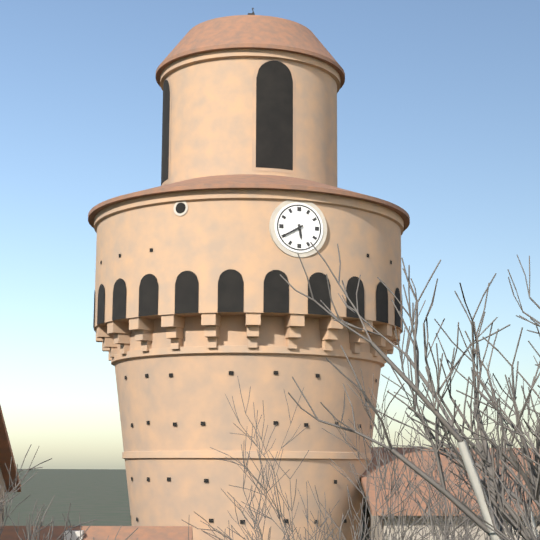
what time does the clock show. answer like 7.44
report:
5.40
